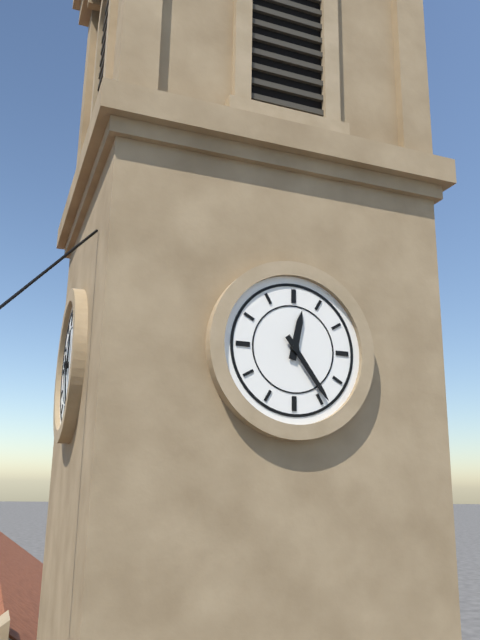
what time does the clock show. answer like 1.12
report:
12.24
